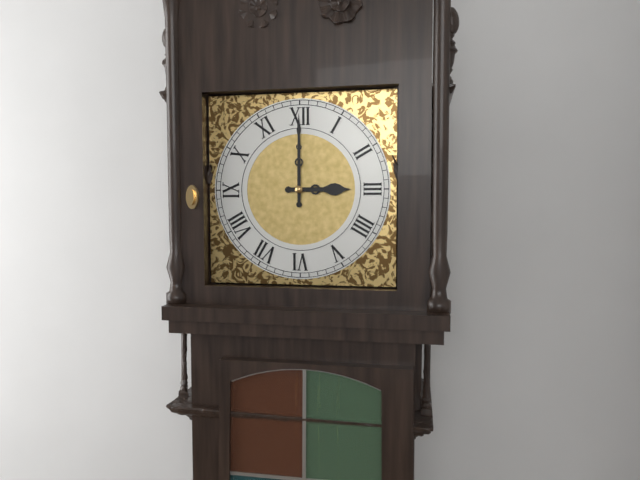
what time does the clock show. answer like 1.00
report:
3.00
